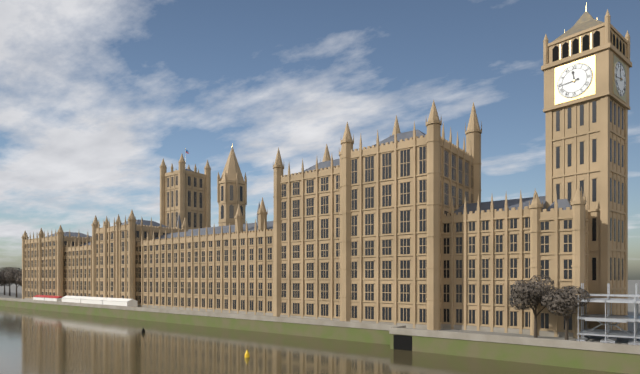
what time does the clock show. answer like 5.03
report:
11.44
